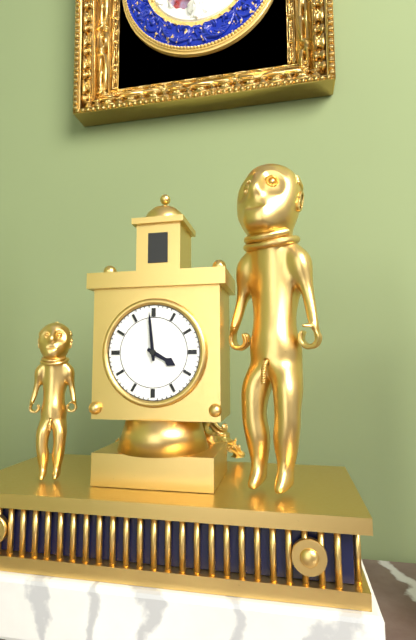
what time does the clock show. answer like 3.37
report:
3.59
